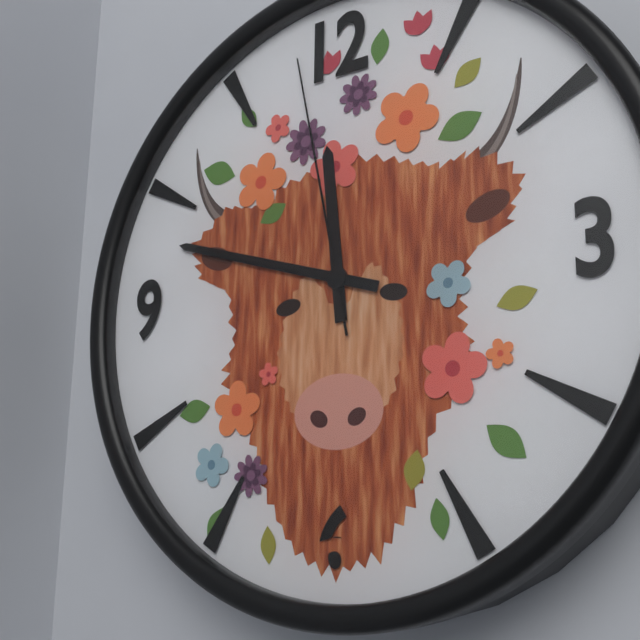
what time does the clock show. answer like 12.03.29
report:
11.48.58
